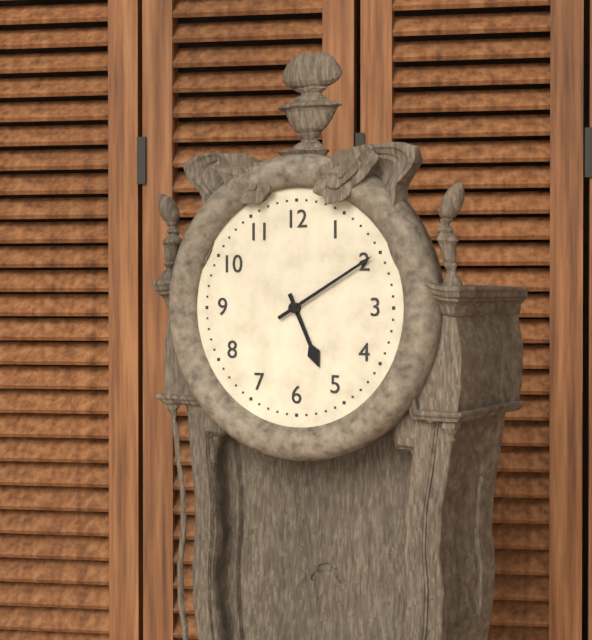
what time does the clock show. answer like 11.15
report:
5.10
